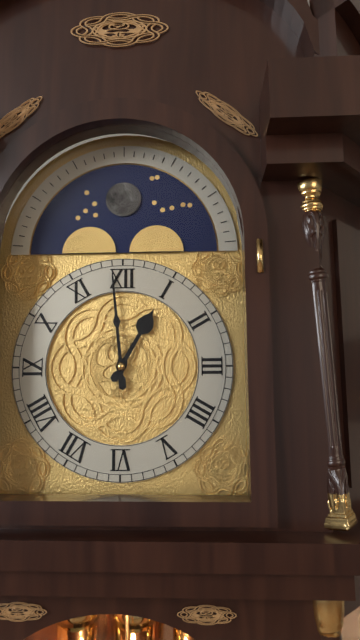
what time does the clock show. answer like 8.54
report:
12.59
